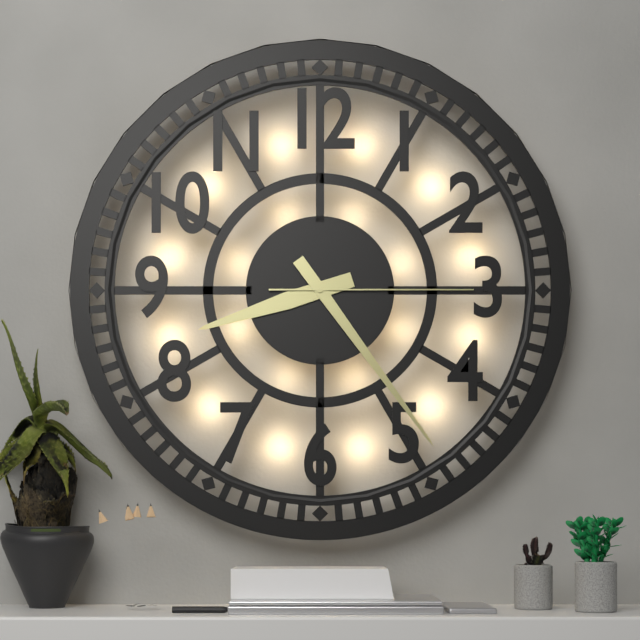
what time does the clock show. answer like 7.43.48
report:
8.24.15
